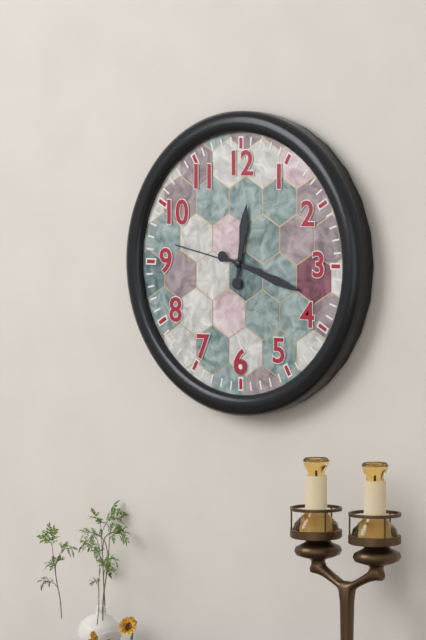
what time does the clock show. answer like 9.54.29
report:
12.18.47
